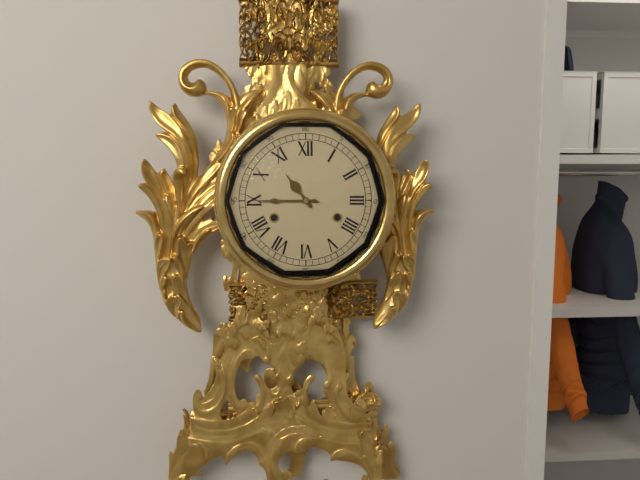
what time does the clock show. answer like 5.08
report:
10.45
